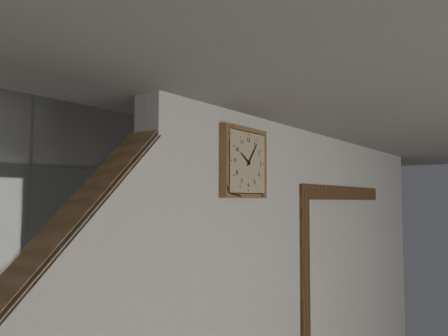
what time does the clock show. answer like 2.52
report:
10.06
